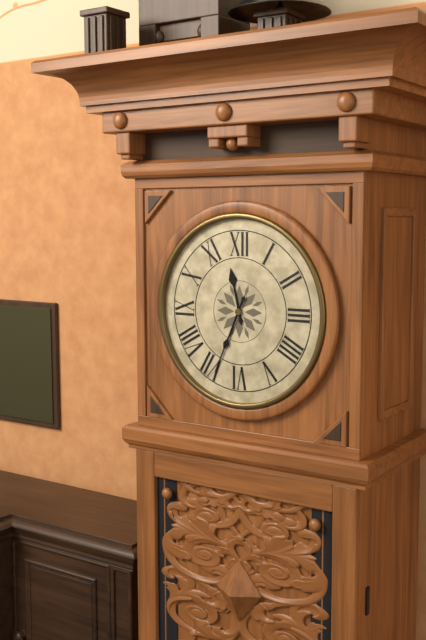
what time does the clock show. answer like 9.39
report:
11.34
